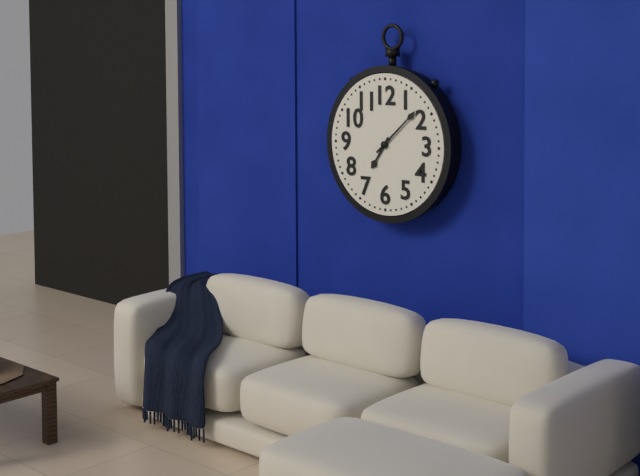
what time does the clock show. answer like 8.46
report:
7.08
